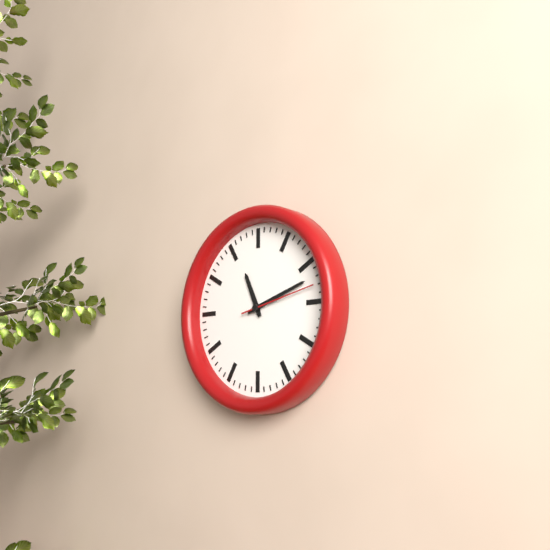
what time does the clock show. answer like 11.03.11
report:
11.12.13
